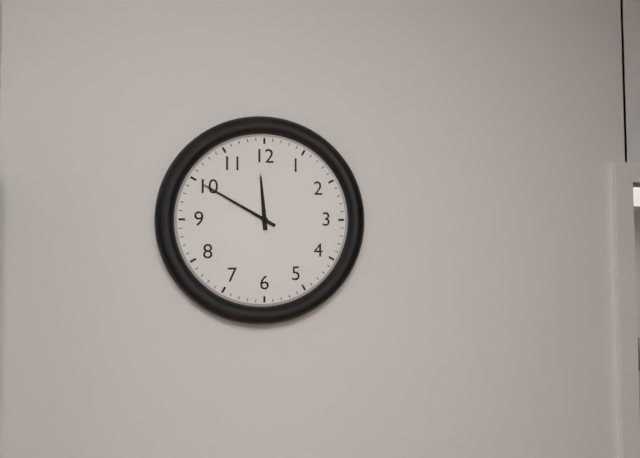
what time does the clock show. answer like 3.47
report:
11.50
